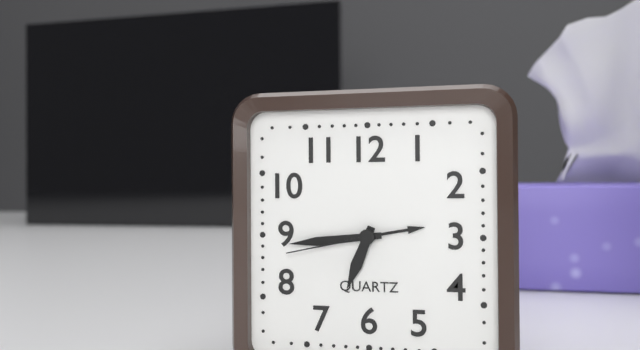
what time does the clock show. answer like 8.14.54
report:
6.44.43
